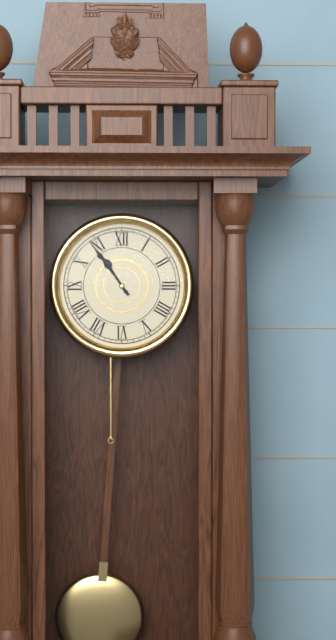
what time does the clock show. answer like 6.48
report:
10.54
